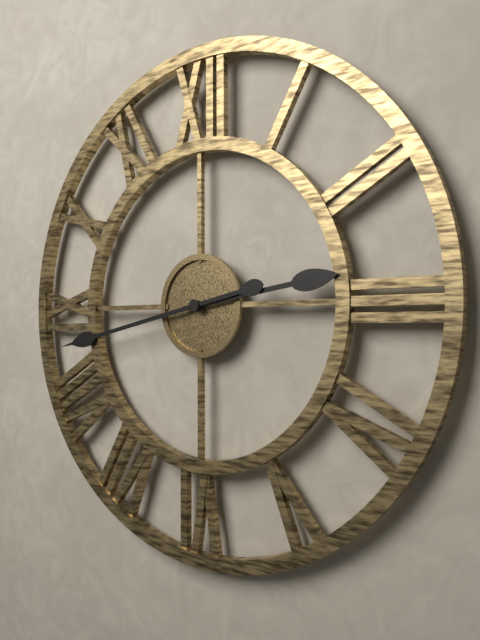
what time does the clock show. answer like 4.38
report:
2.43
